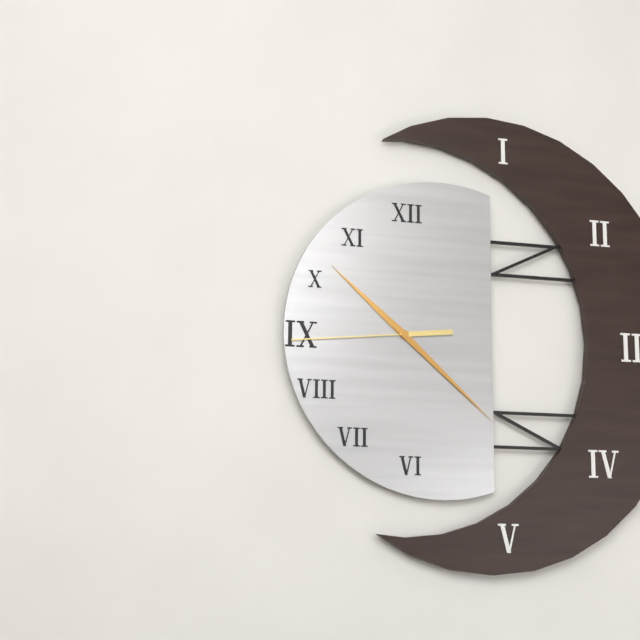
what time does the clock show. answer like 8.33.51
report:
10.22.44
